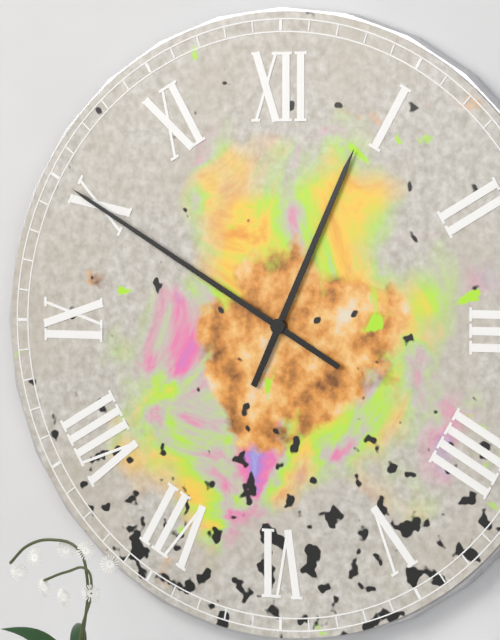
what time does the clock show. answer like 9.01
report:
12.50
